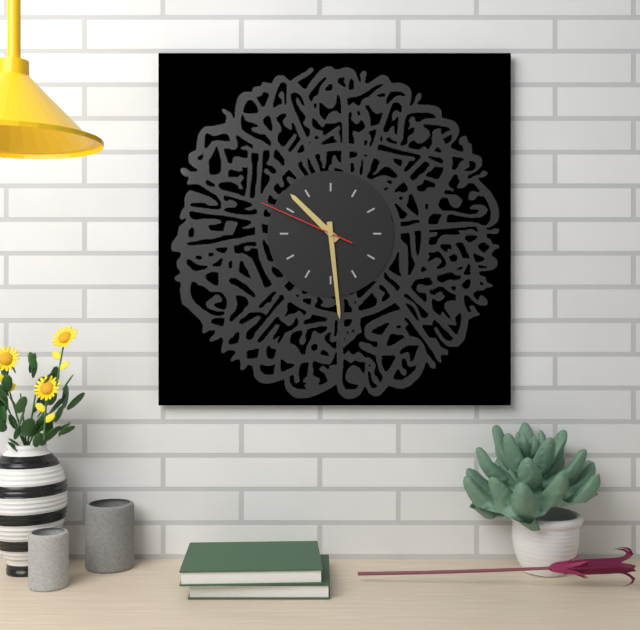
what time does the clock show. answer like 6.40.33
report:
10.29.49
